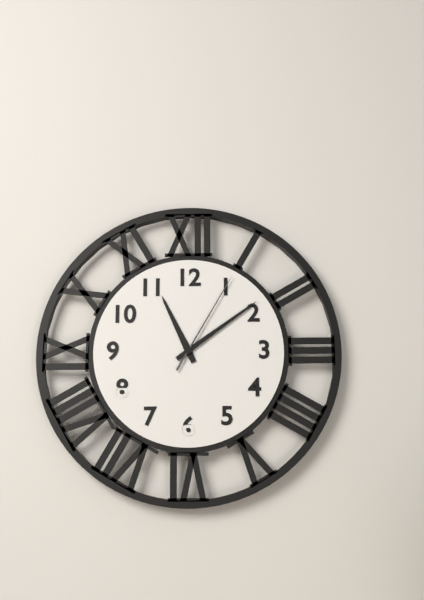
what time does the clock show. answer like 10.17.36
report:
11.09.05
